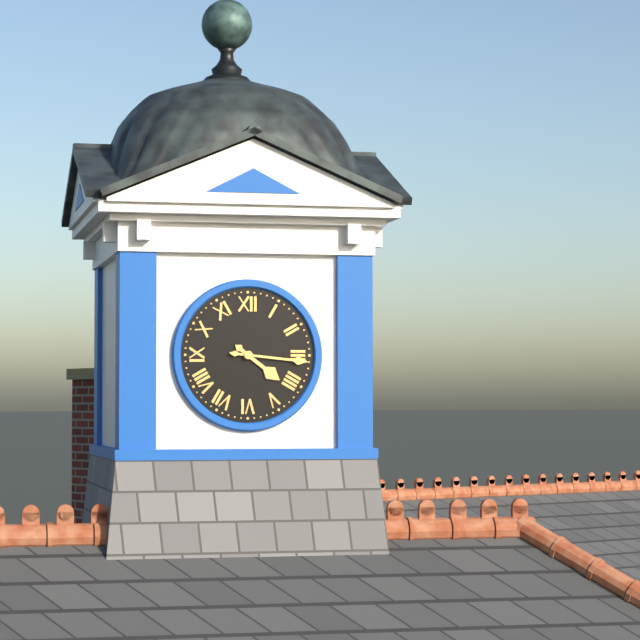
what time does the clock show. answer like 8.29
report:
4.16
